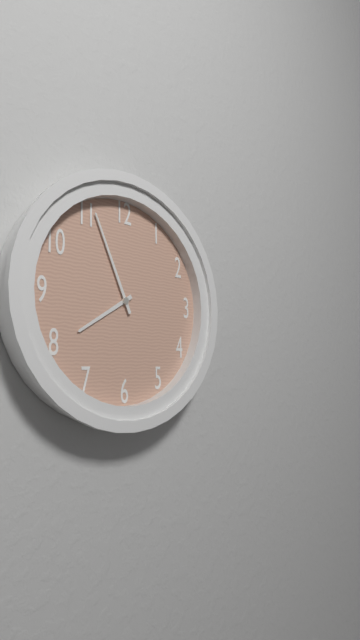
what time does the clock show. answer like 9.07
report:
7.56
